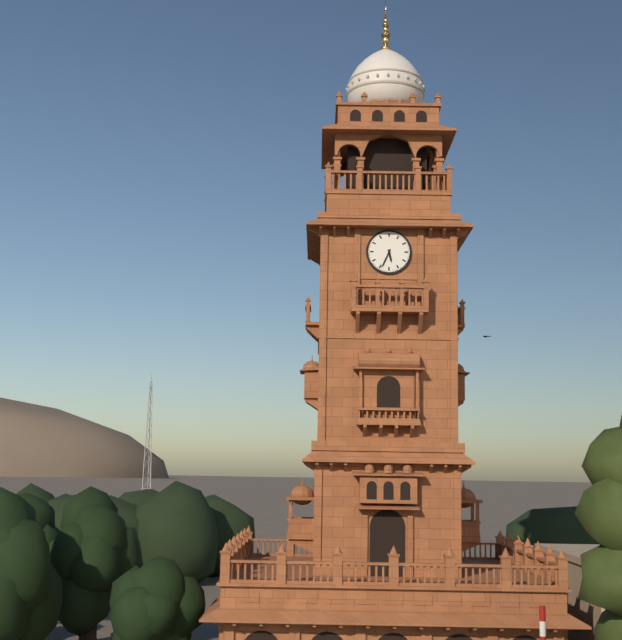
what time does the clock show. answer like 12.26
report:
5.34
